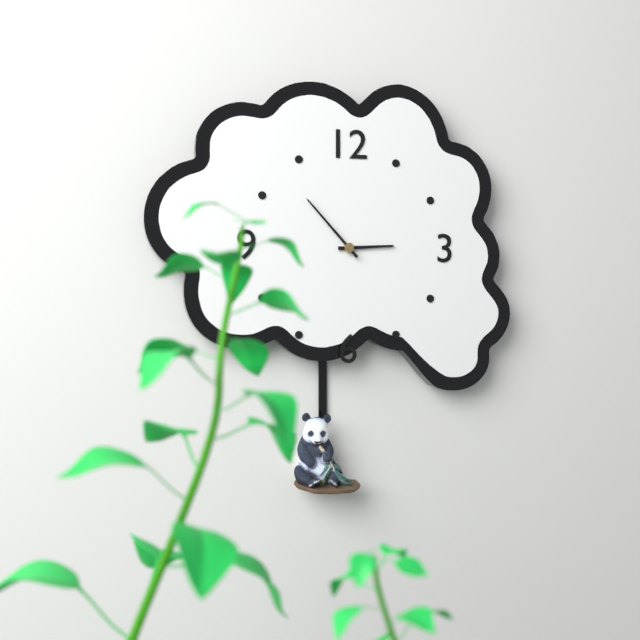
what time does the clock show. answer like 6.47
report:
2.53
